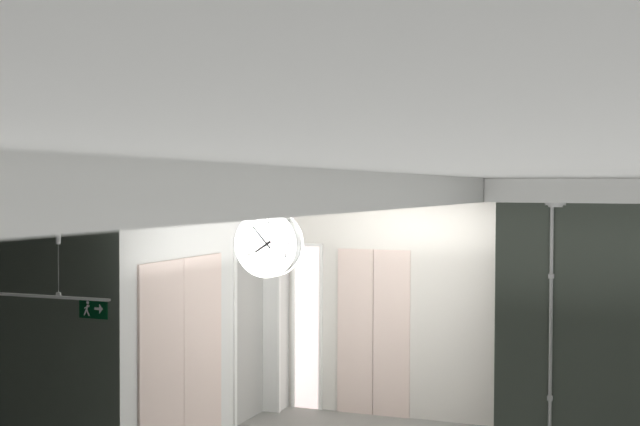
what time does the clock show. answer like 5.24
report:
7.53
